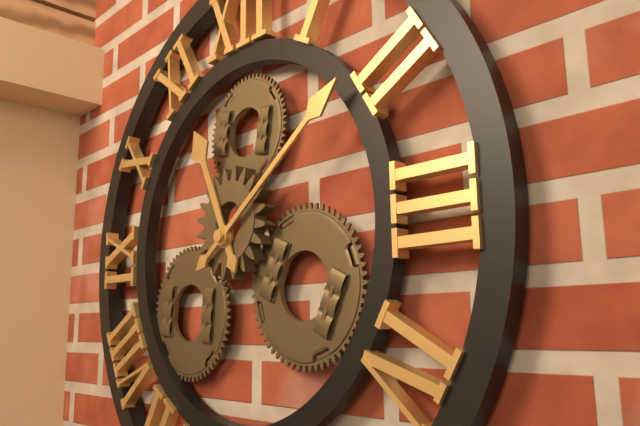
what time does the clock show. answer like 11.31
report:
11.09
